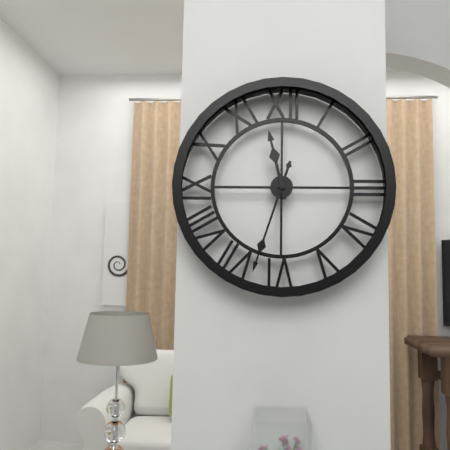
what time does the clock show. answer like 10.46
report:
11.33
